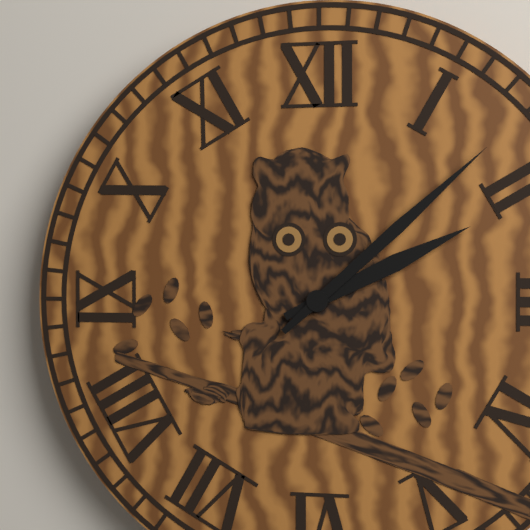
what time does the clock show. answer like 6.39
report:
2.08
